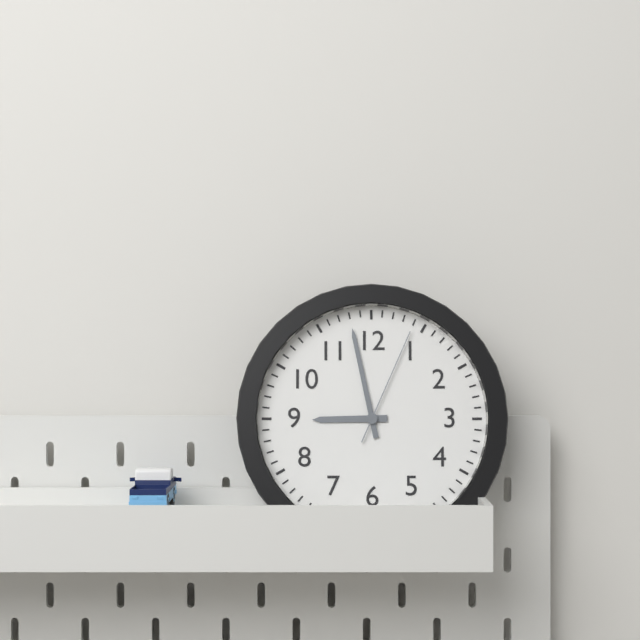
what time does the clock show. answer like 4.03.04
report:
8.58.04
